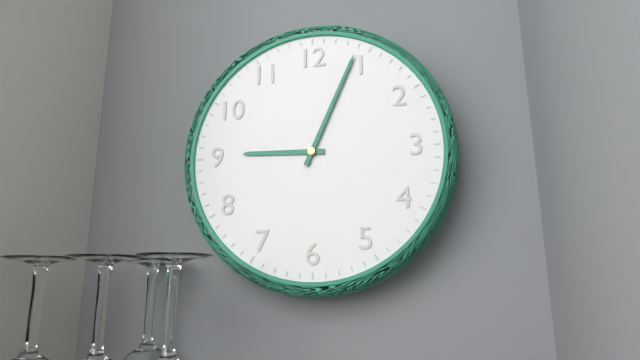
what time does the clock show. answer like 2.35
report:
9.04
